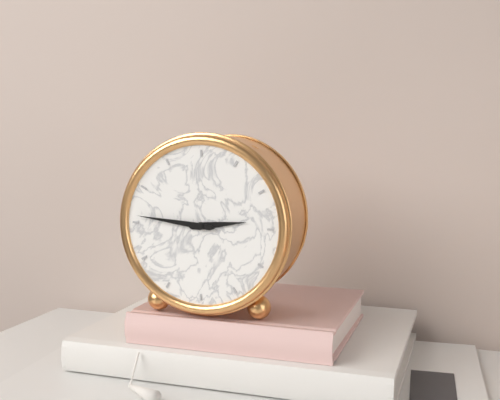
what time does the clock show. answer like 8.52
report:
2.46
